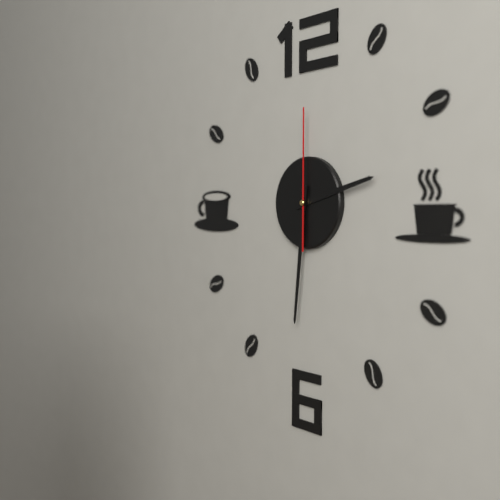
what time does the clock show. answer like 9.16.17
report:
2.31.00
